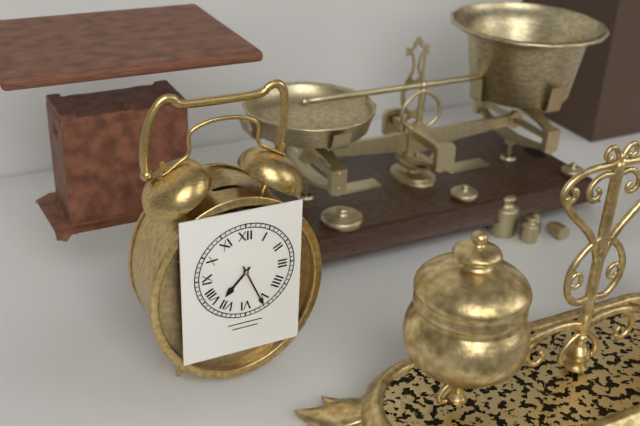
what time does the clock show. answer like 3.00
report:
7.26
